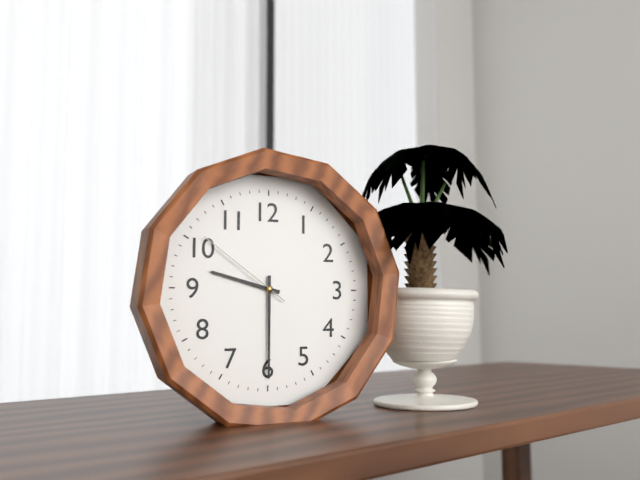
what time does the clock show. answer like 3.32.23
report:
9.30.51
